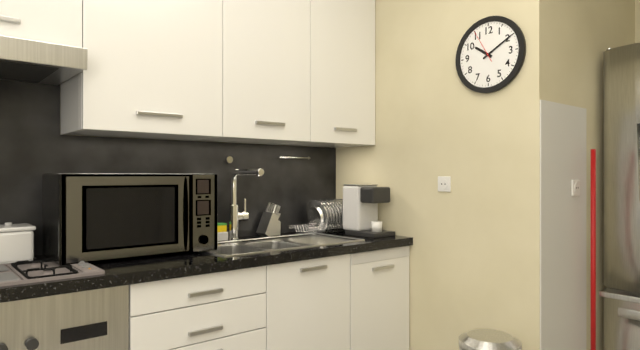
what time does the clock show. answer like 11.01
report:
10.10
